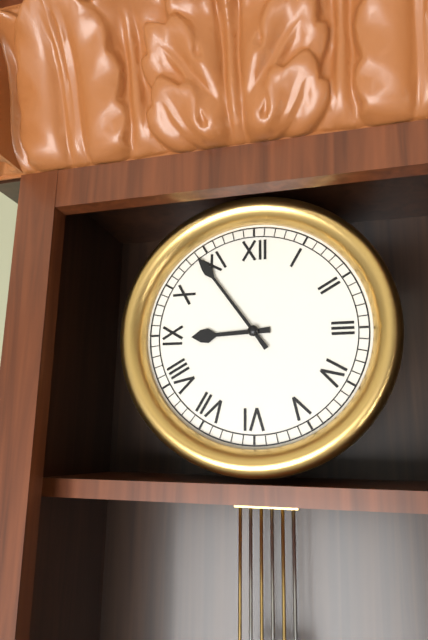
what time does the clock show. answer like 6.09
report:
8.54
